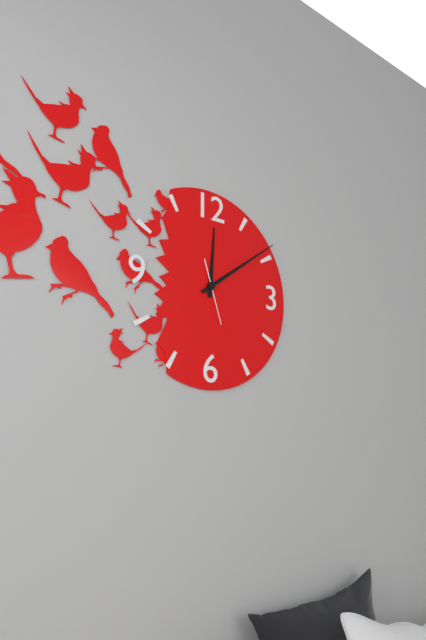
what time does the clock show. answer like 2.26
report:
12.09
